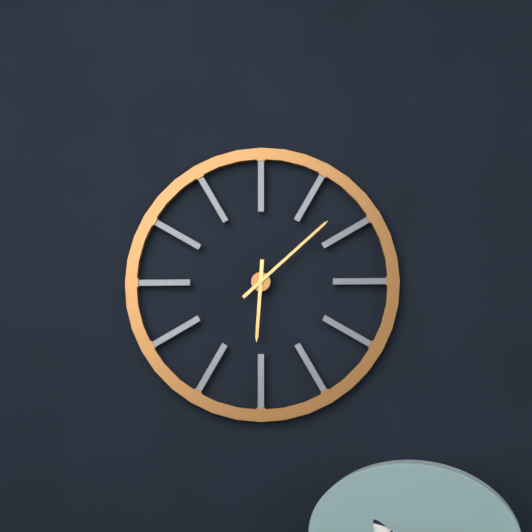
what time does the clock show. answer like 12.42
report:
6.08
